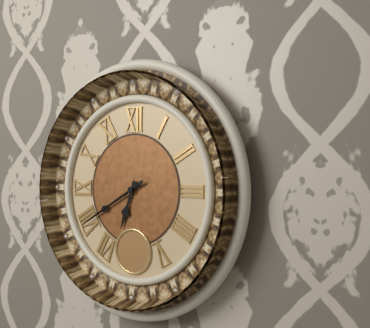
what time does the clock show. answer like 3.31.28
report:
6.40.40
